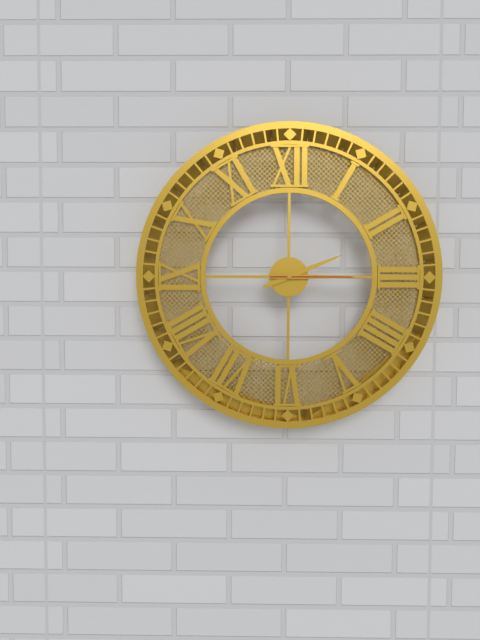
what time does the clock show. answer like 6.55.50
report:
2.15.15
